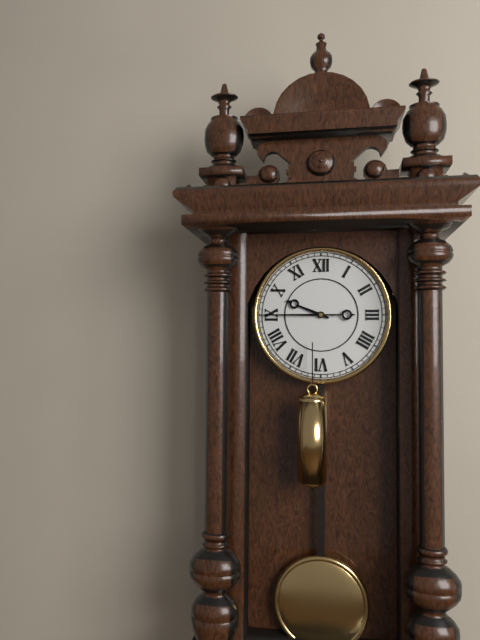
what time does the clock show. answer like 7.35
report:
9.45
